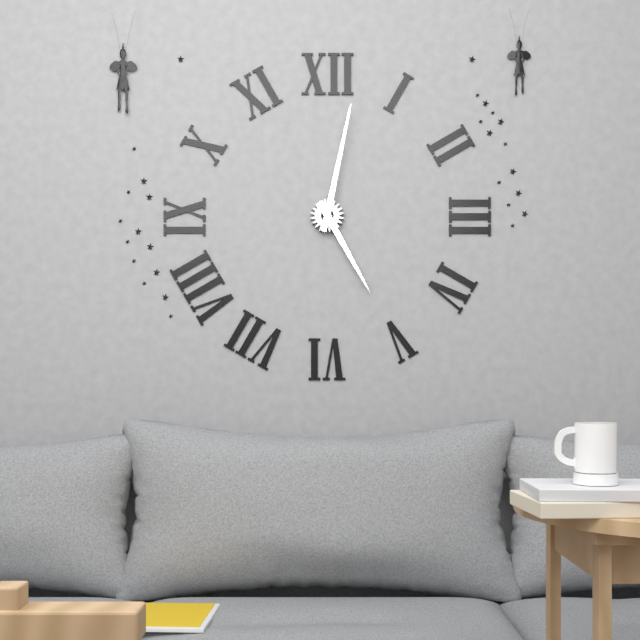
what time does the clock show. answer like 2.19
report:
5.02
